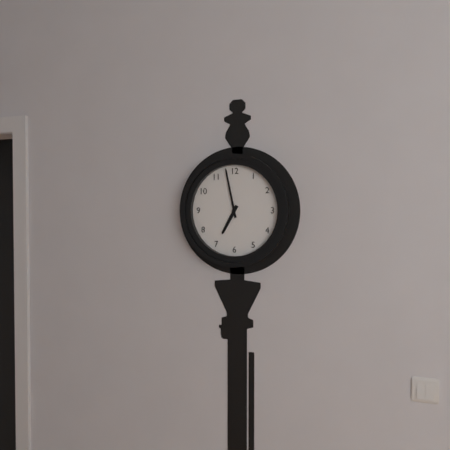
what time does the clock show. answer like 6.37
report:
6.58
